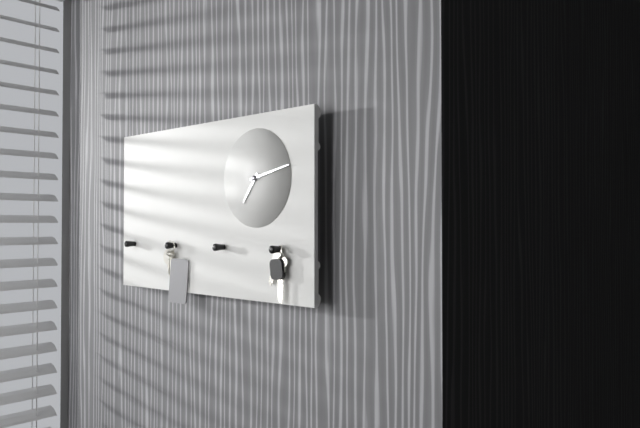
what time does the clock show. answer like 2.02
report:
7.13
